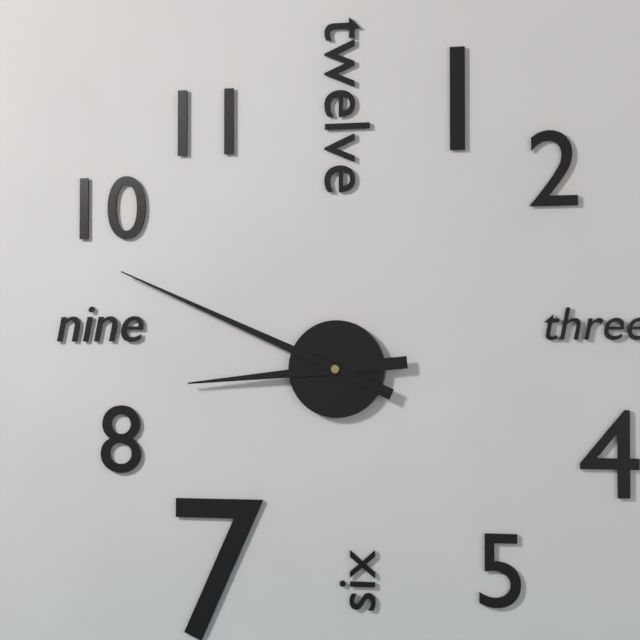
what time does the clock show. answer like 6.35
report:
8.49
